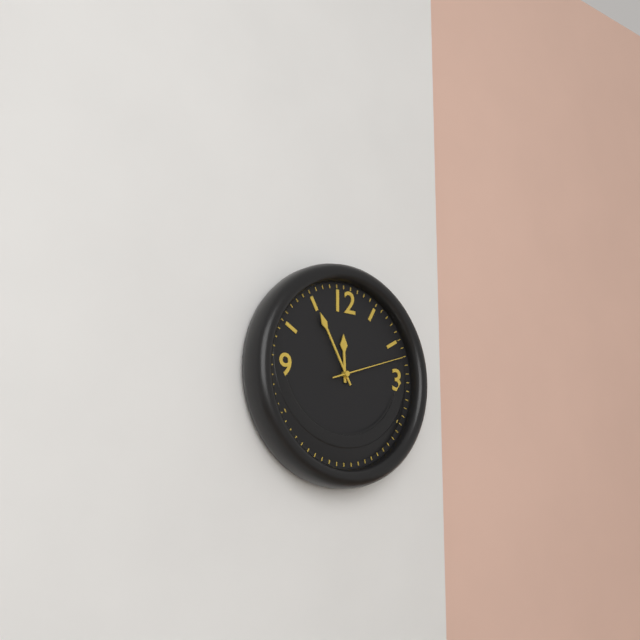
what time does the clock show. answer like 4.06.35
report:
11.55.12
